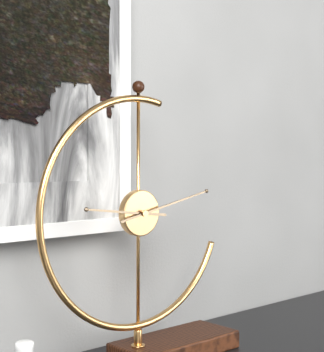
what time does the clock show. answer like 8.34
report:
9.13
